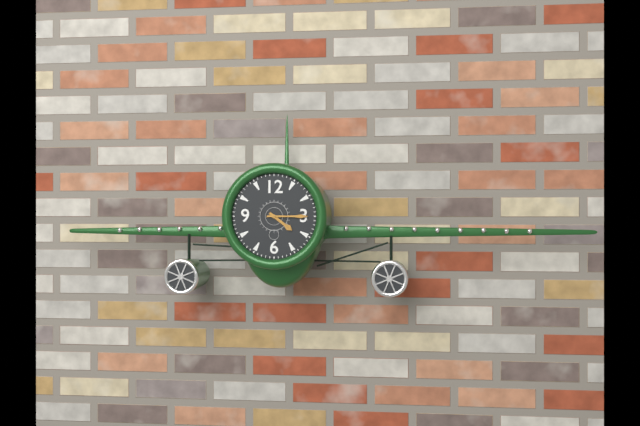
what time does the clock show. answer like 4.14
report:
4.15
